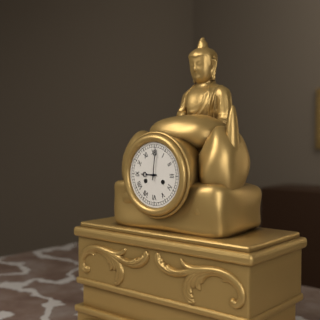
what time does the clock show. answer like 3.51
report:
9.01
